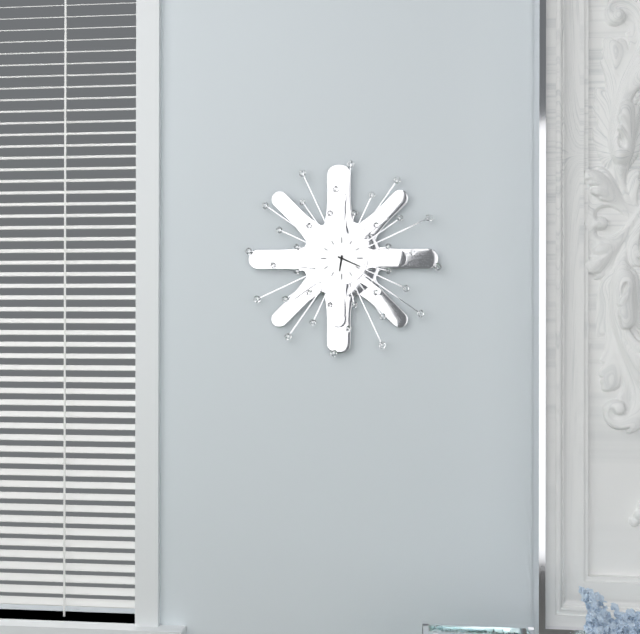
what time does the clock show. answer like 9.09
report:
6.19
